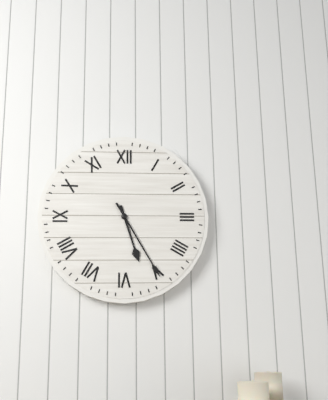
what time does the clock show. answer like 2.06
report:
5.25
